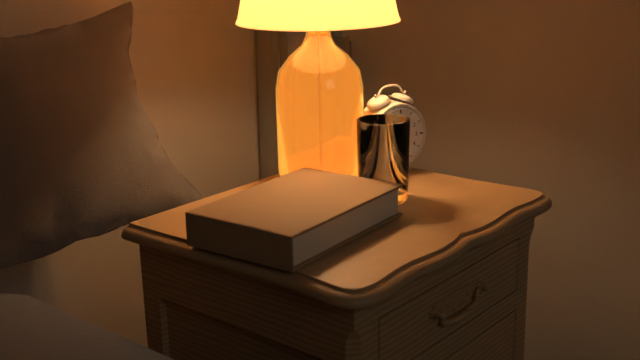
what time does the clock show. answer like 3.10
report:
7.36
